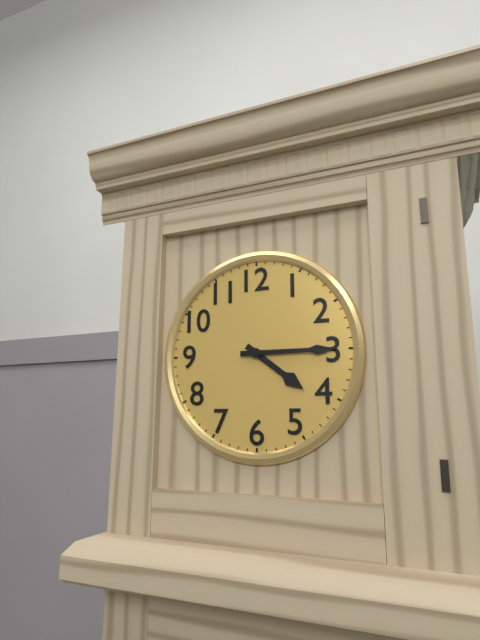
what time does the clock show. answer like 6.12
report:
4.15
